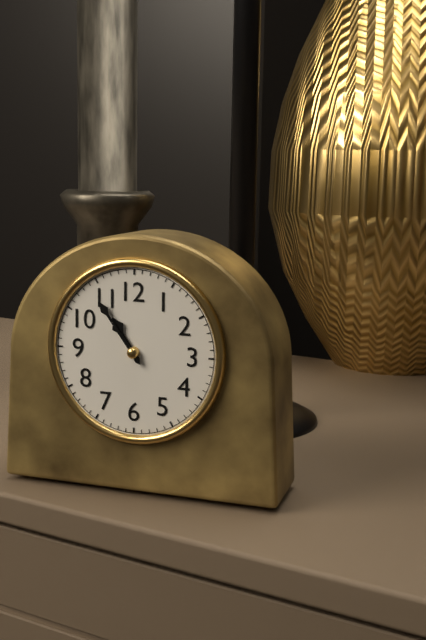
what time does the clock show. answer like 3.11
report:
10.54
